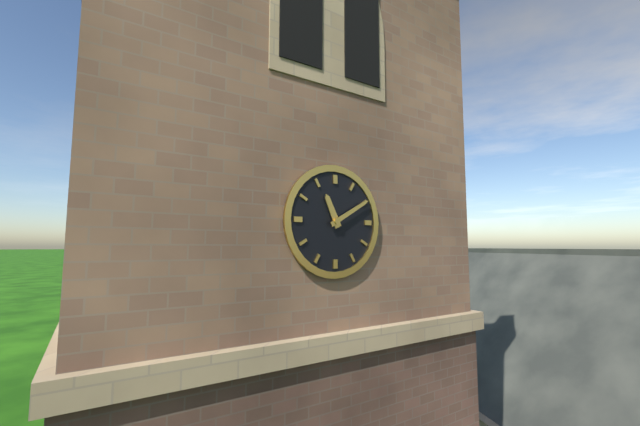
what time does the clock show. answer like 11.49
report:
11.10
